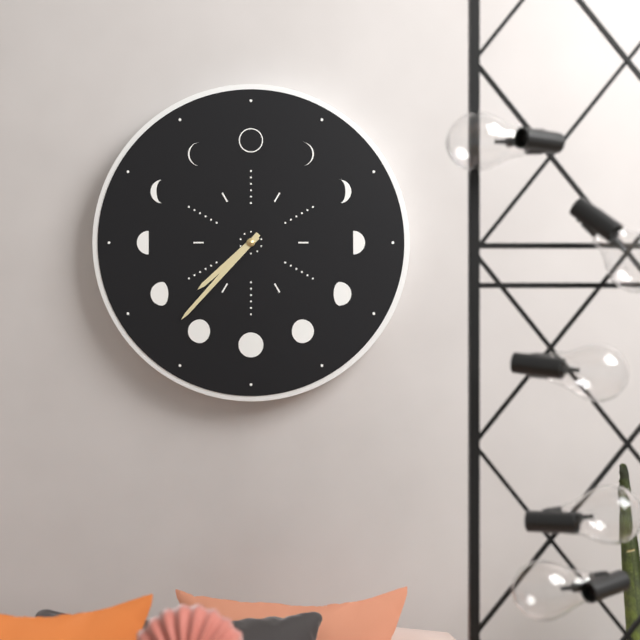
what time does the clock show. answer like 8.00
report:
7.37
